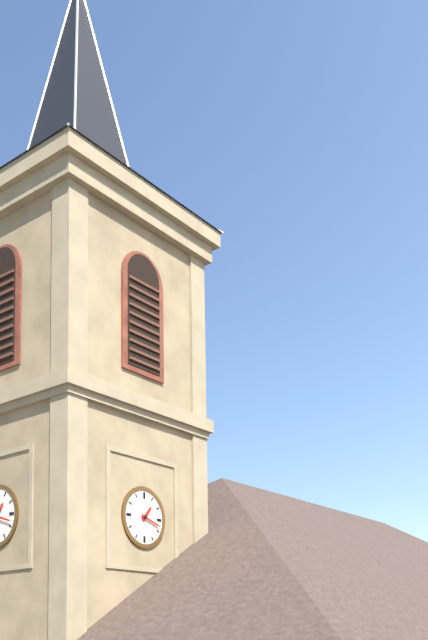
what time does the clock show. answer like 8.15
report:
1.18
